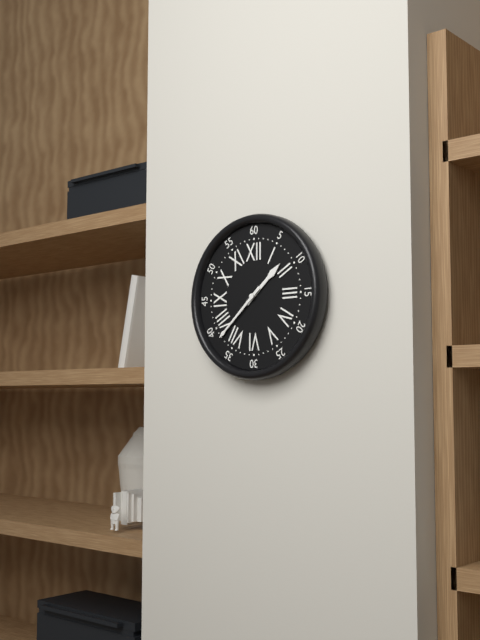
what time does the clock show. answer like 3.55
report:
1.38
